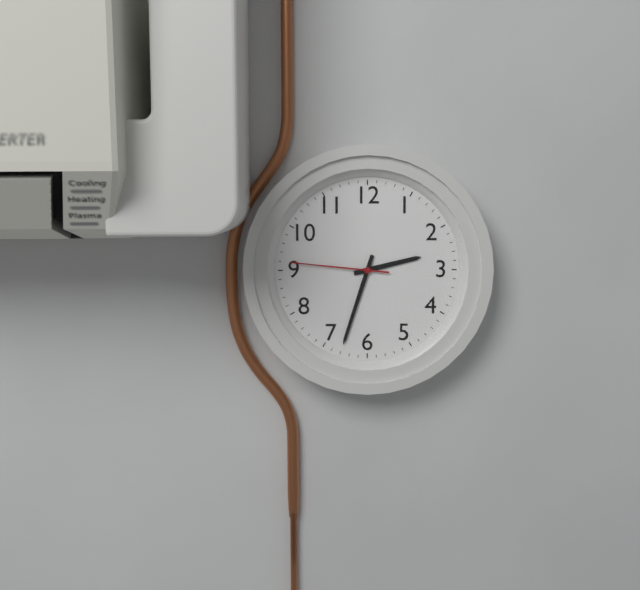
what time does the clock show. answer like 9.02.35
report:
2.33.46
